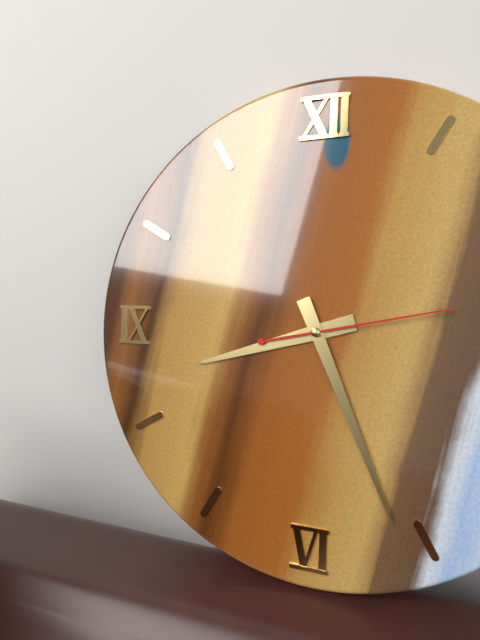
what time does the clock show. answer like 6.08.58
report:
8.26.13
